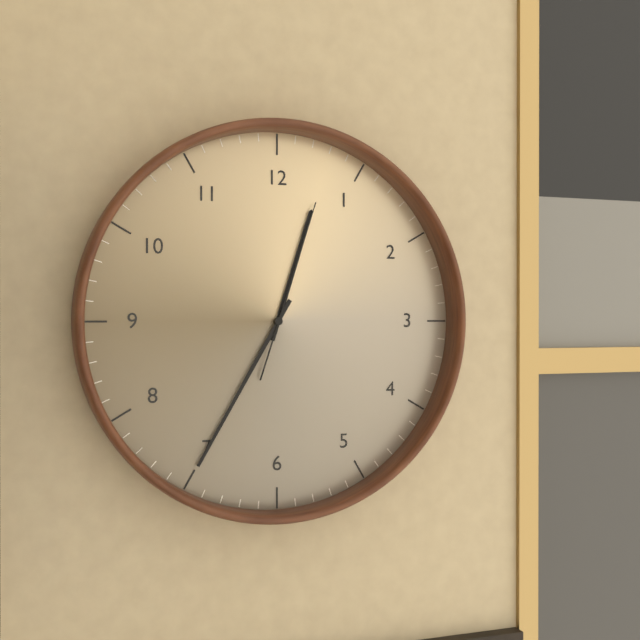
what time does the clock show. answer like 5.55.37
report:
12.35.03
